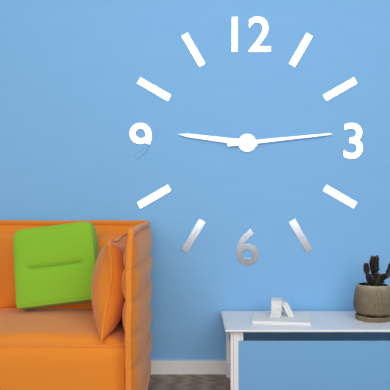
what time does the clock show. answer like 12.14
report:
9.14
